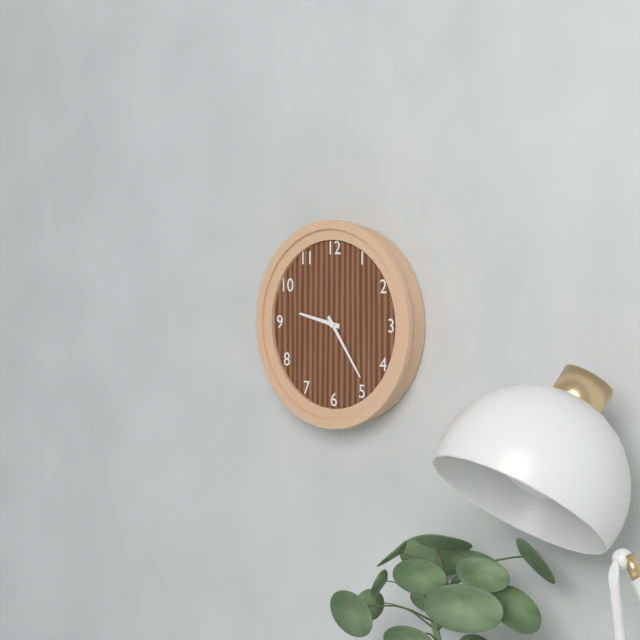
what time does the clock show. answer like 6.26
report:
9.24
